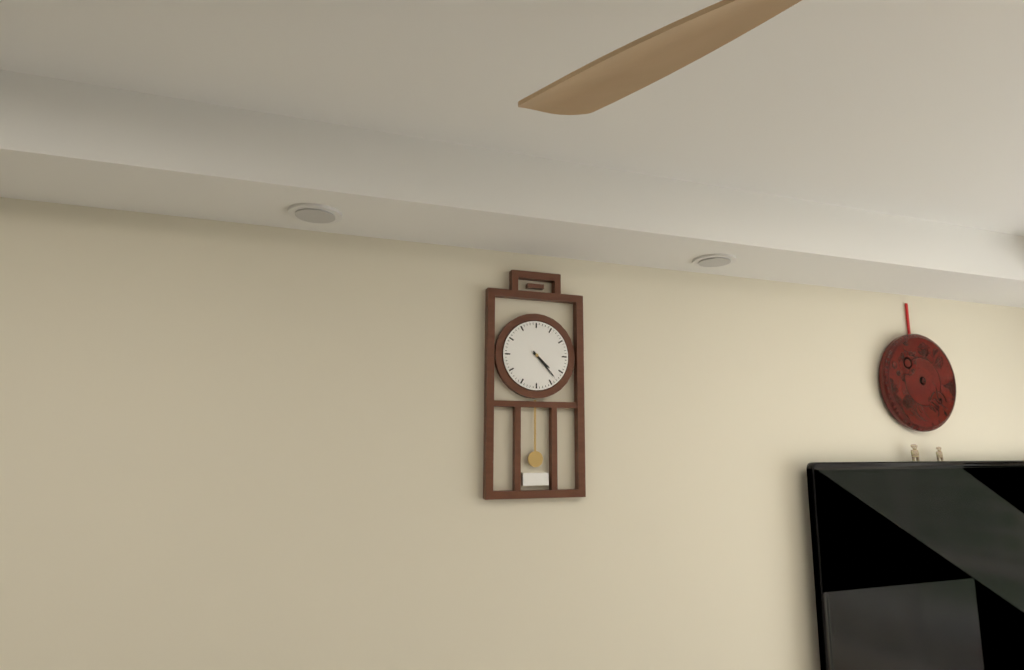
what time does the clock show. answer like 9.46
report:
4.23
